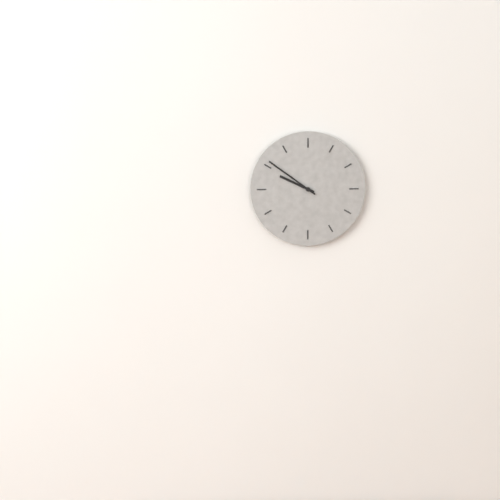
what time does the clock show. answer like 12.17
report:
9.51
